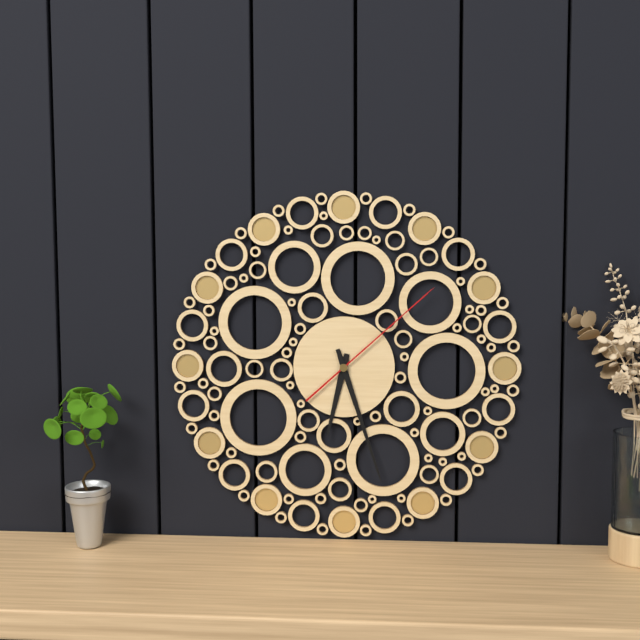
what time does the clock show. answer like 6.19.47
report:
6.27.08
